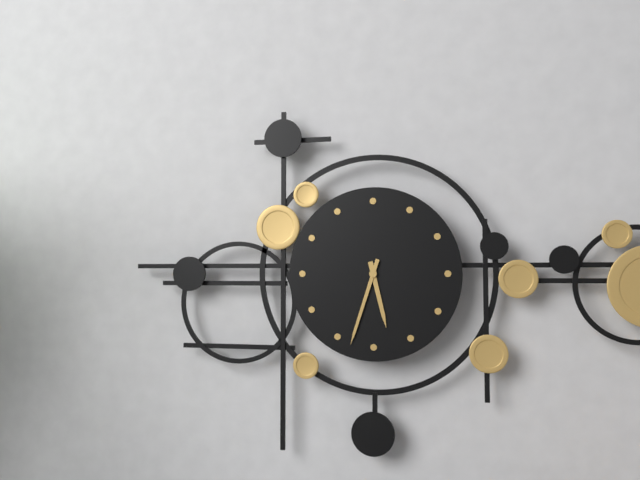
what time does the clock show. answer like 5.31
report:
5.33
